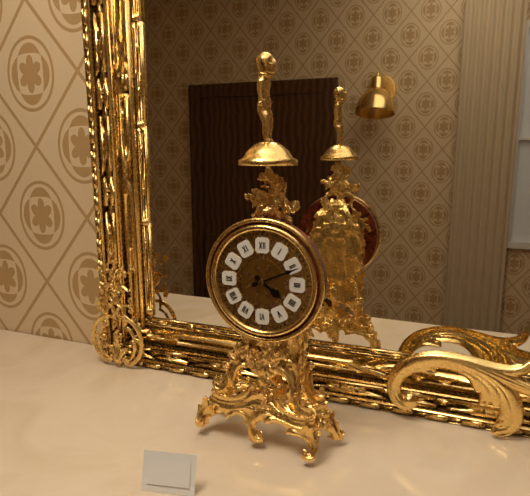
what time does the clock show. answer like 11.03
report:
4.11
